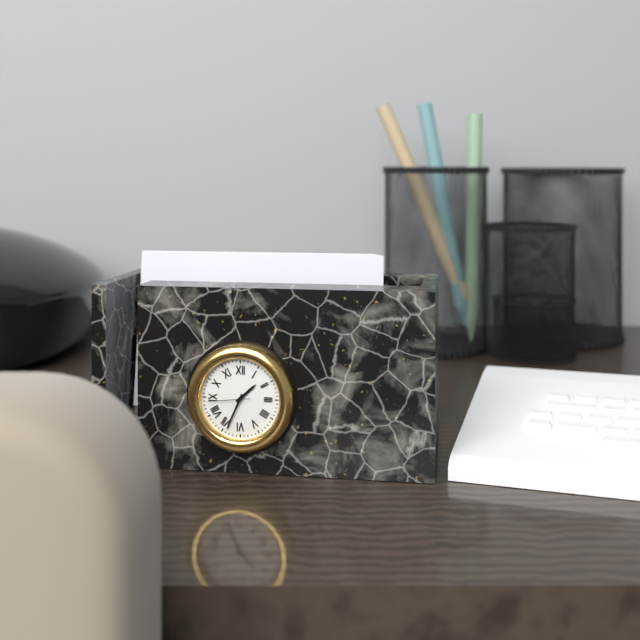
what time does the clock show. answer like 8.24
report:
1.34
